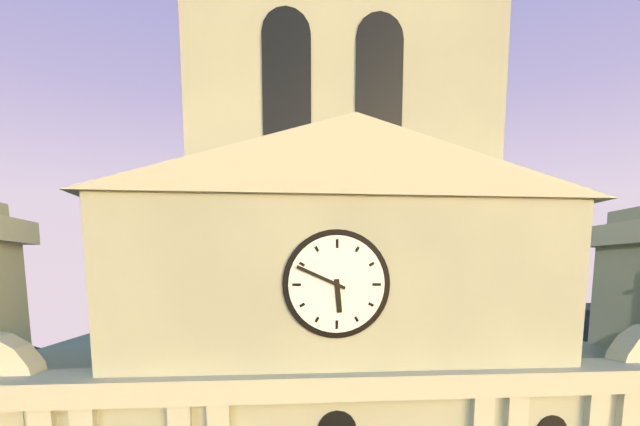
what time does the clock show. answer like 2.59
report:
5.49
